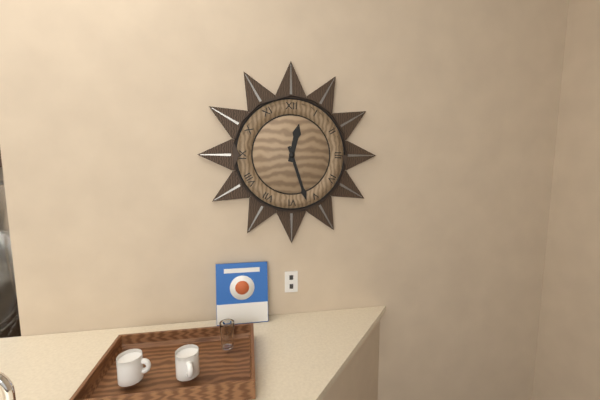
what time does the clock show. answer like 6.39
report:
12.27
